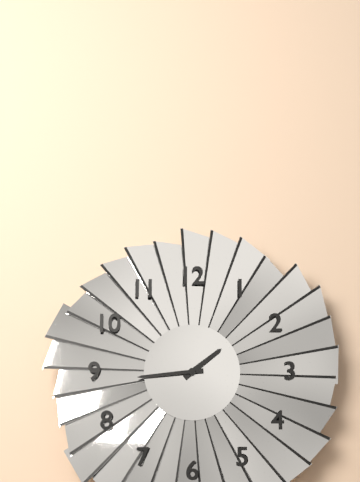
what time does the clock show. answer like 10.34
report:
1.44
